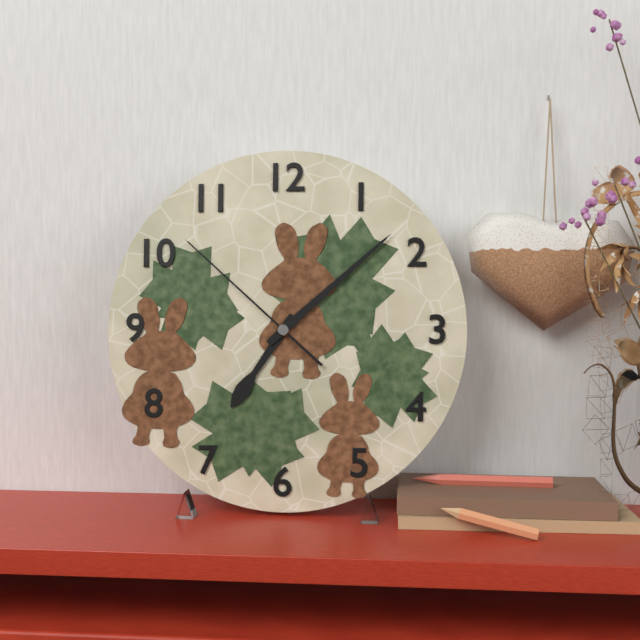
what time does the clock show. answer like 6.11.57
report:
7.08.52
